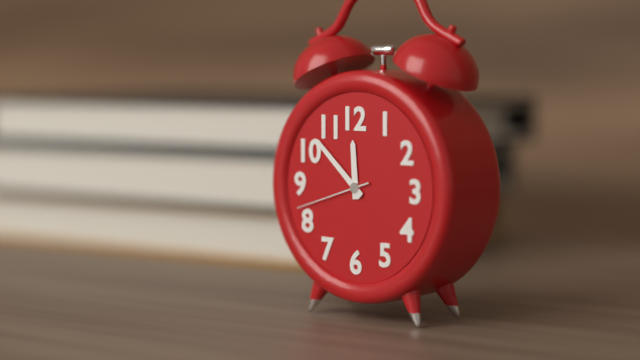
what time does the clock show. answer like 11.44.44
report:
11.52.42
